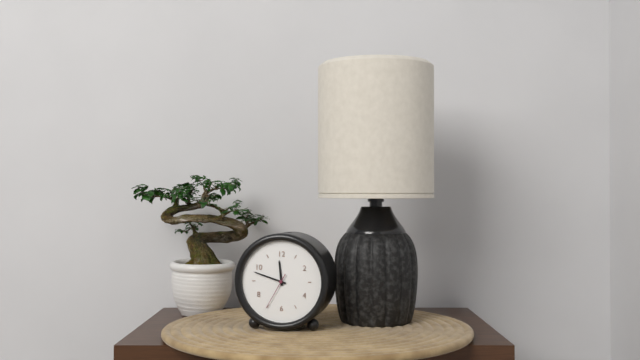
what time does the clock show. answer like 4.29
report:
11.48
